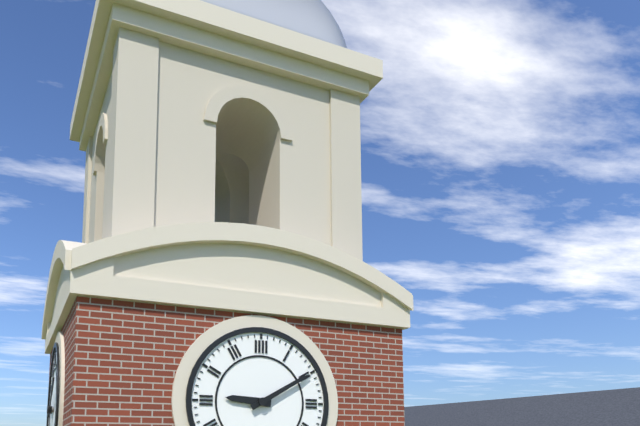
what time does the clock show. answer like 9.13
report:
9.10
